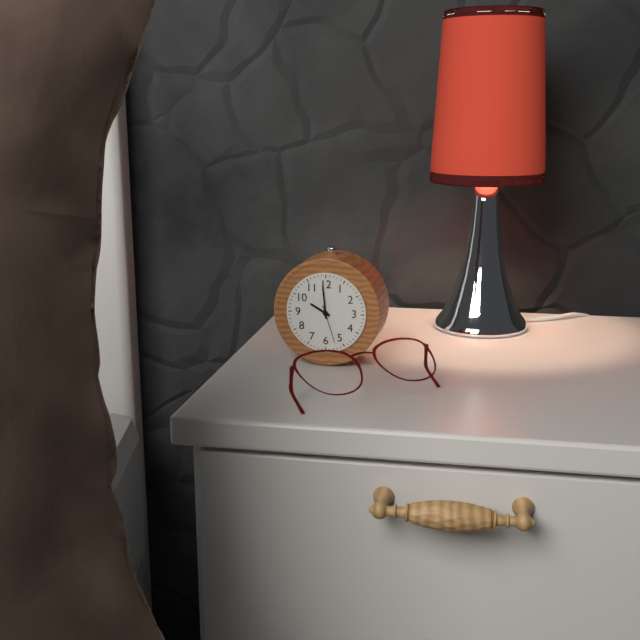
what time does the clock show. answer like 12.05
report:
9.59
